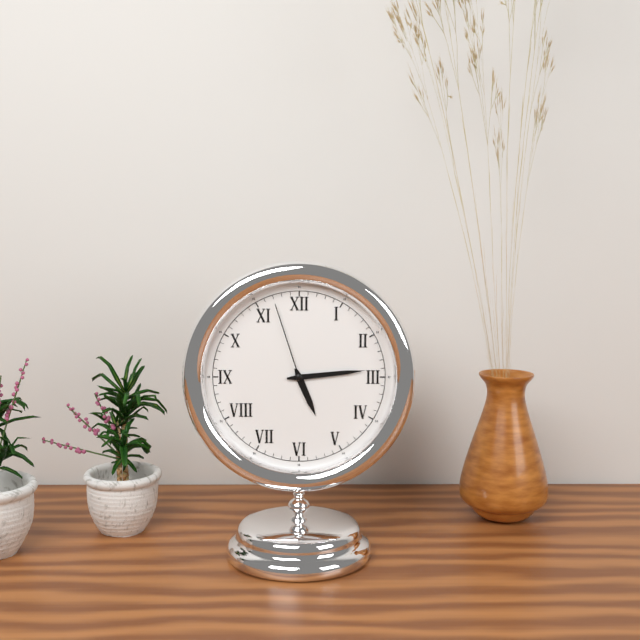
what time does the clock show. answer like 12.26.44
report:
5.14.57
